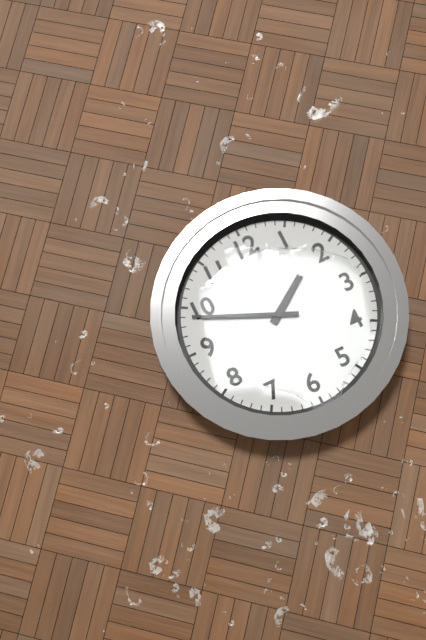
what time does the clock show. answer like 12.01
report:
1.49
